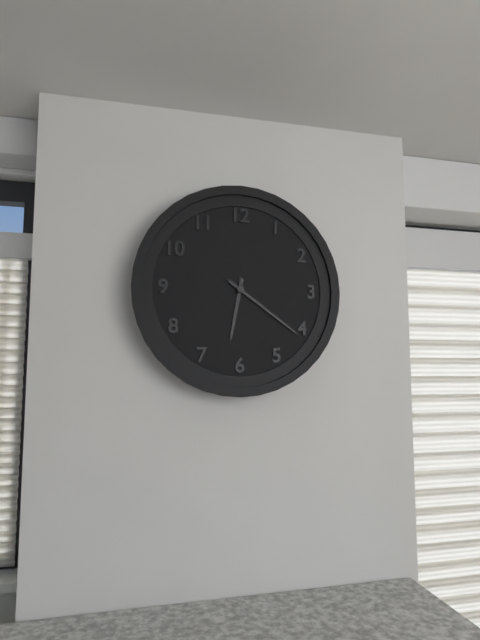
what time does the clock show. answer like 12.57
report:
6.21
